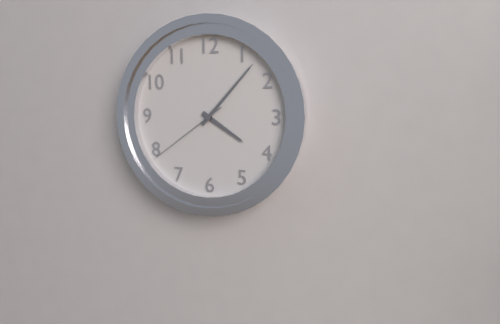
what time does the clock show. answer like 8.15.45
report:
4.07.39
